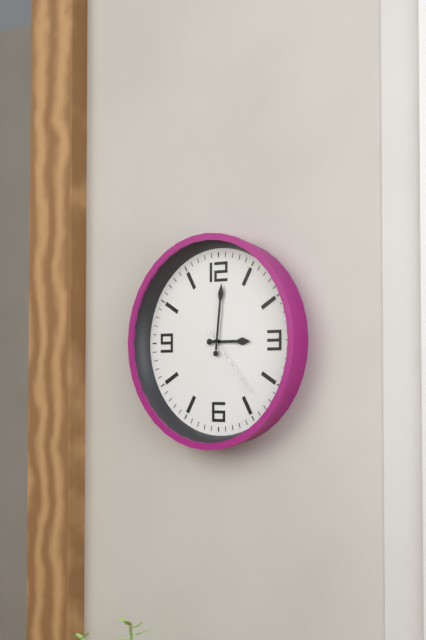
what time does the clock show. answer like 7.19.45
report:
3.01.23
